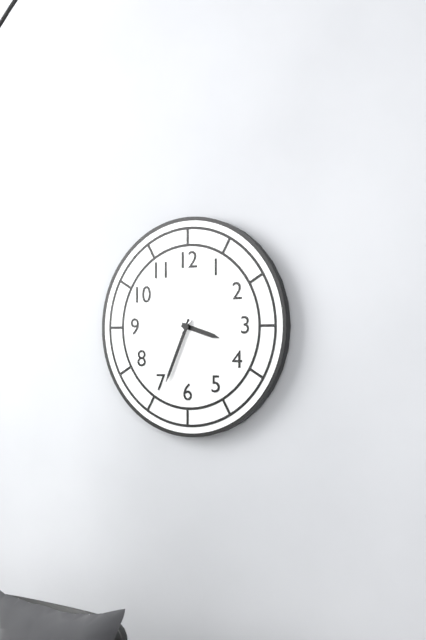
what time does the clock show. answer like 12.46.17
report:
3.34.07
